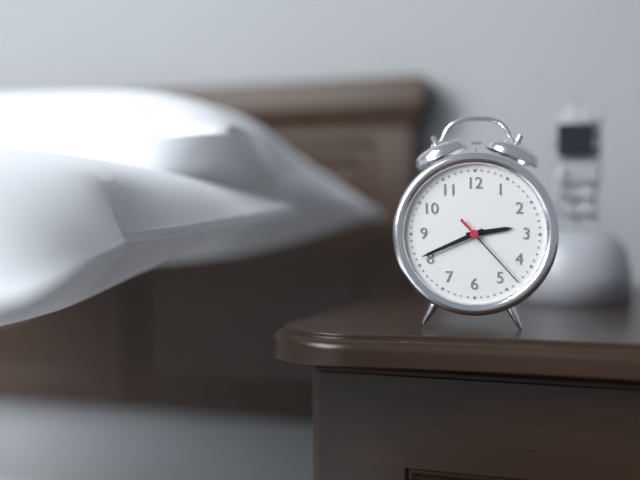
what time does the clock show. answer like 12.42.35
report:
2.41.23
